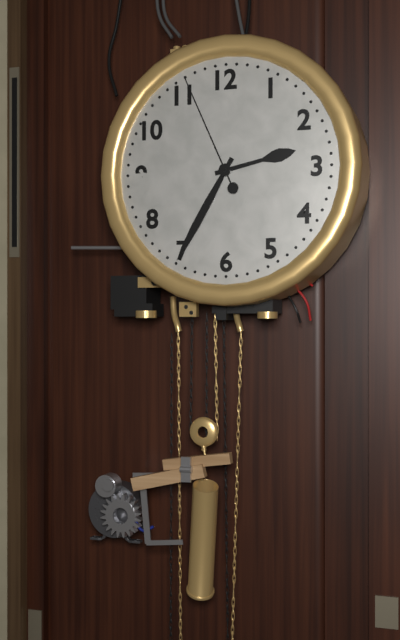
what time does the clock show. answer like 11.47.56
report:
2.35.56
